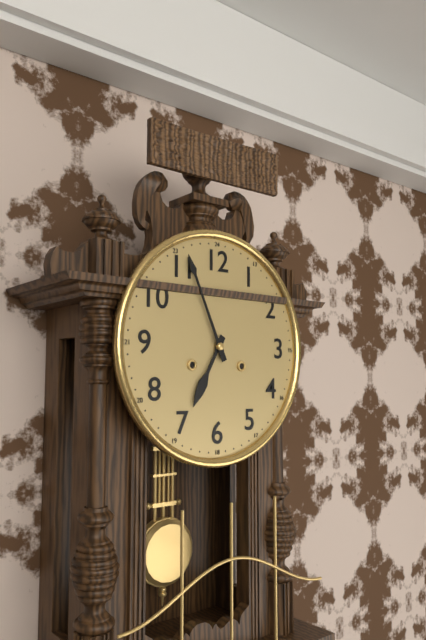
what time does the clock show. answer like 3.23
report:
6.56
